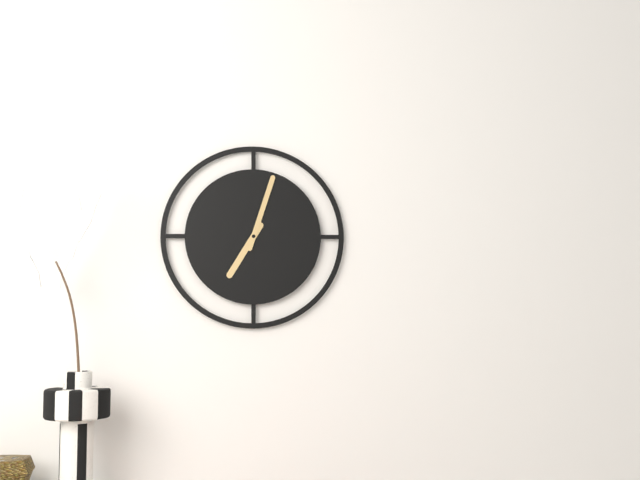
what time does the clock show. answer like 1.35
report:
7.03
